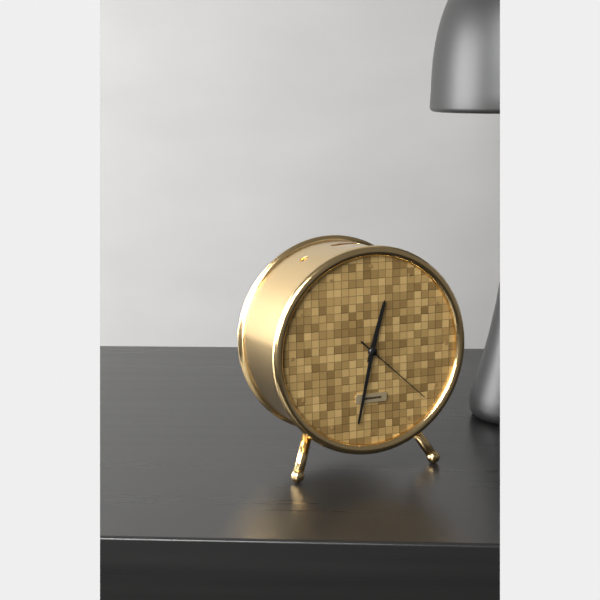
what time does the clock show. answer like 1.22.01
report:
12.32.22
